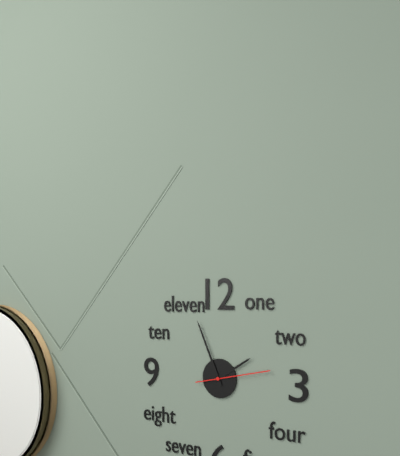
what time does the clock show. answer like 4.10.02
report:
1.56.13
